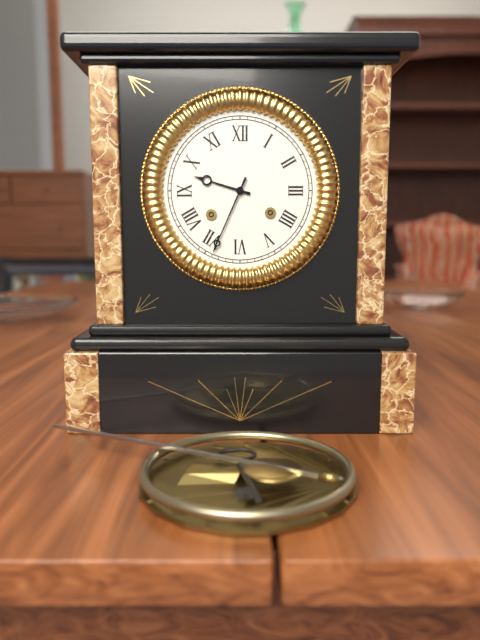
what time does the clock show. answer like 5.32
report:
9.34
